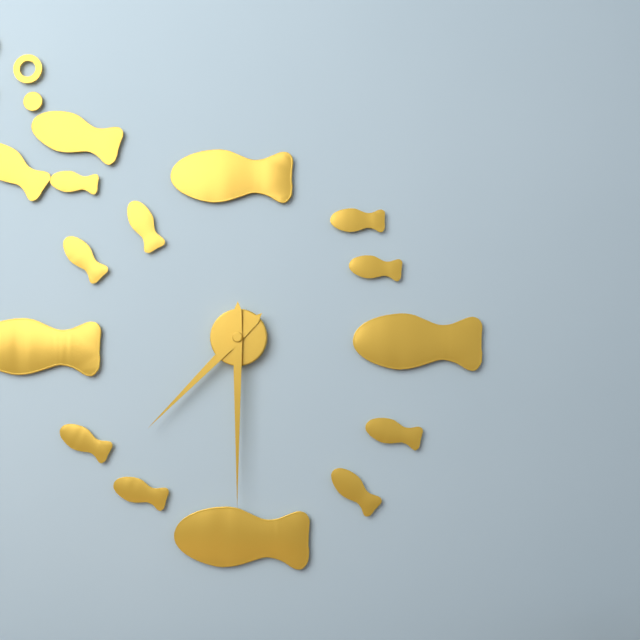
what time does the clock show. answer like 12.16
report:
7.30
